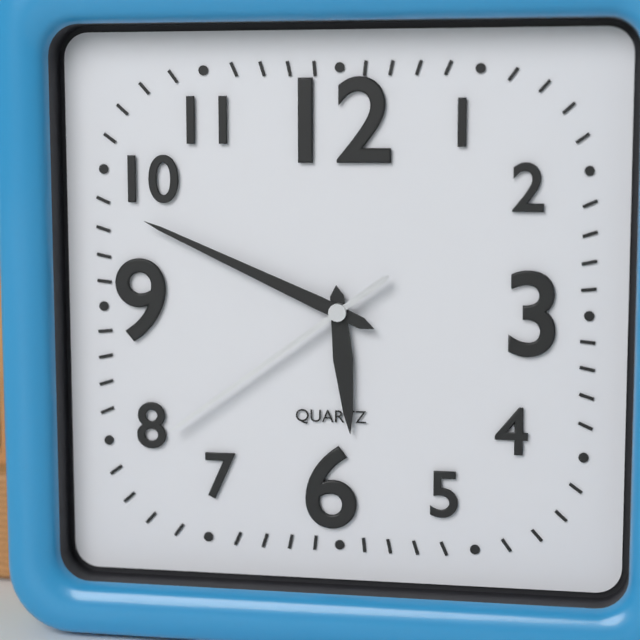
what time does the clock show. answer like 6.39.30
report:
5.49.39
